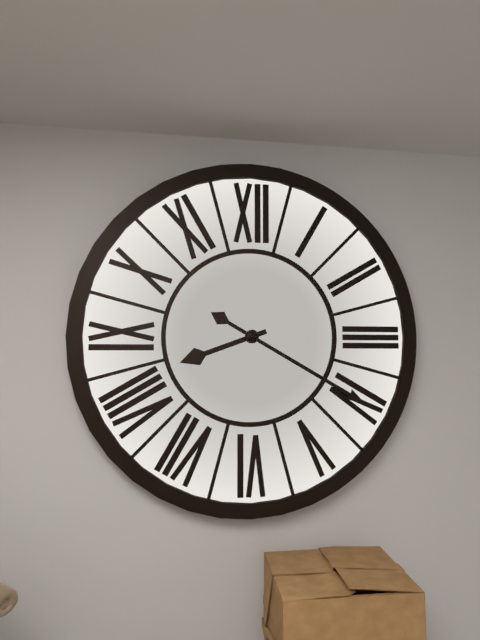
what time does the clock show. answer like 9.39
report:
8.20
